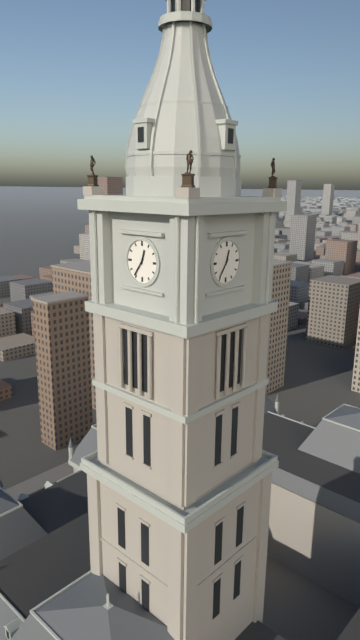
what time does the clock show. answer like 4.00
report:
12.36
